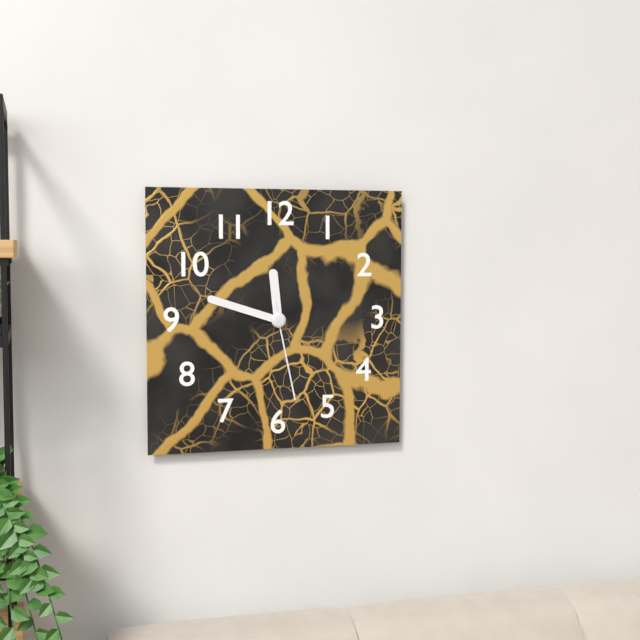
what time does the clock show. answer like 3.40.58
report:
11.48.28
